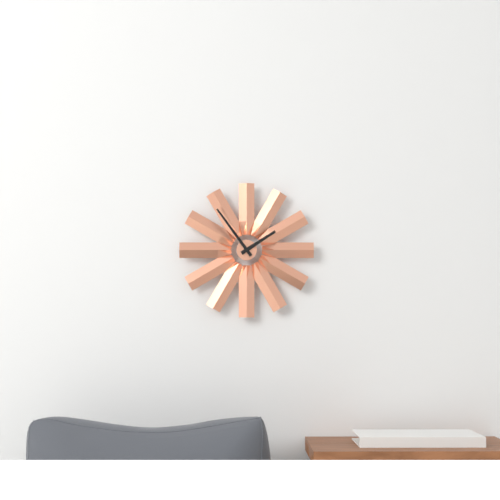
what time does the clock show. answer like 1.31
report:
1.54
